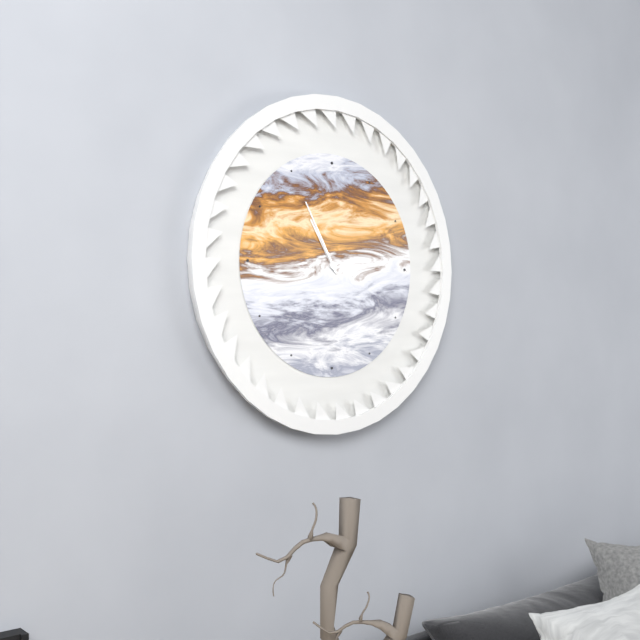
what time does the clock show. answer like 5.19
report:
10.55
